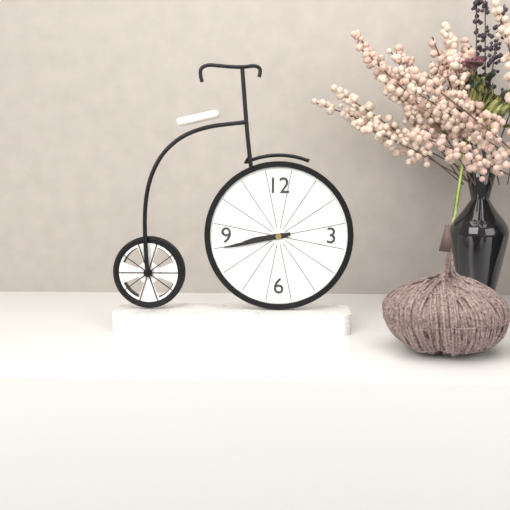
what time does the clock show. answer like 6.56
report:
8.43
